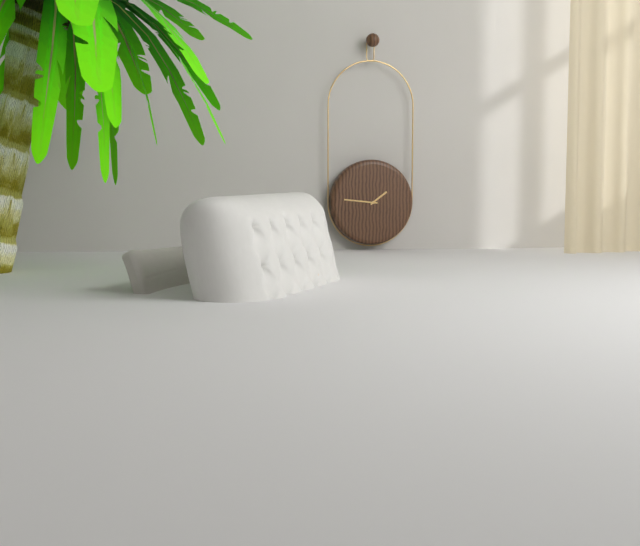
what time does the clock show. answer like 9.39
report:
1.46
